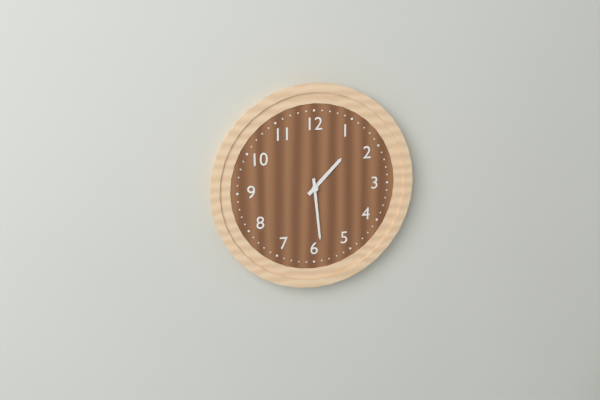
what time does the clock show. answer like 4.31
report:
1.29
